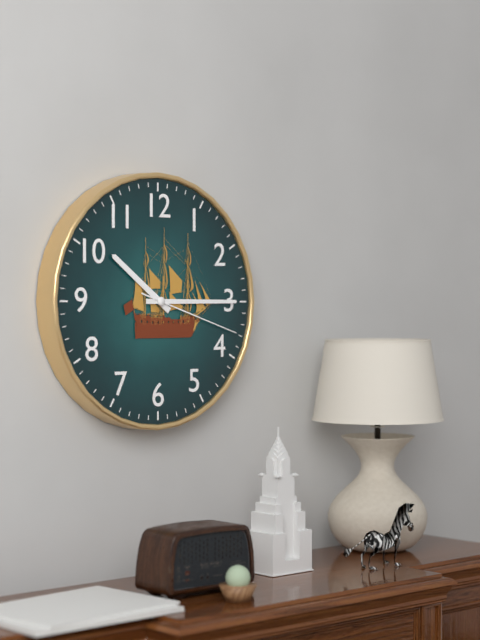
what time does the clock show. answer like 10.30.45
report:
10.15.18
